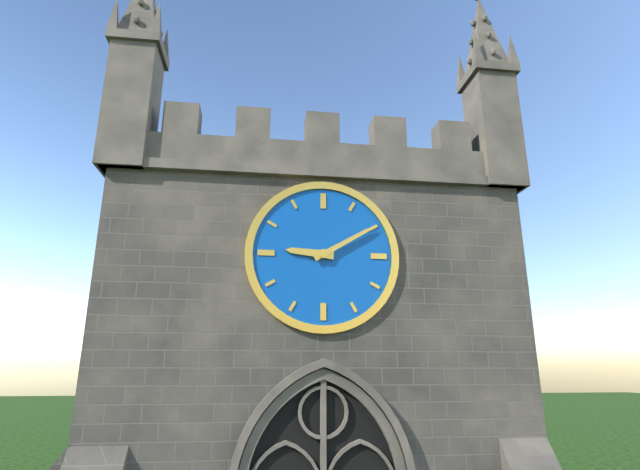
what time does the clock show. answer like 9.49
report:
9.10
